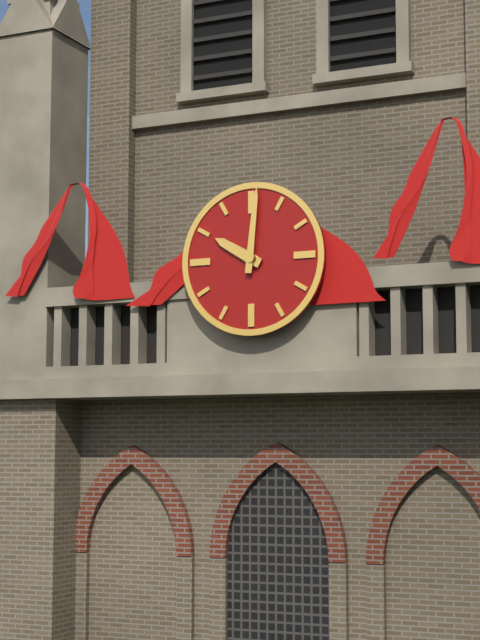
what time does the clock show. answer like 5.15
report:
10.01
